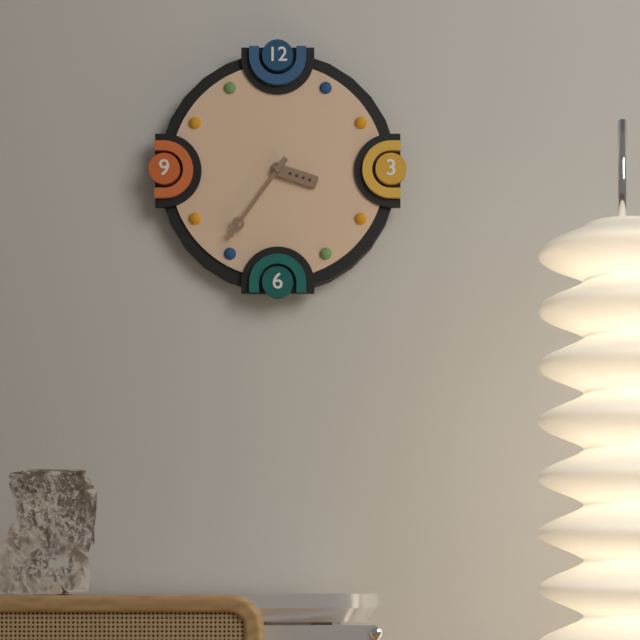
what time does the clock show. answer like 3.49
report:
3.36
